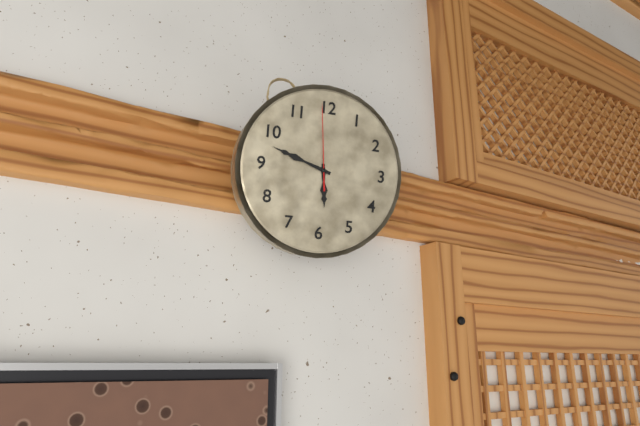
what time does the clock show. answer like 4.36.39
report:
5.48.59
